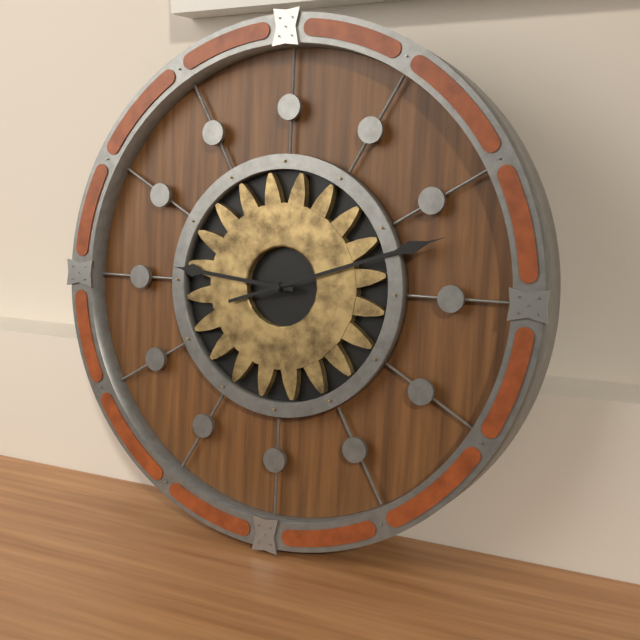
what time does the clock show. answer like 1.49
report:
9.12
